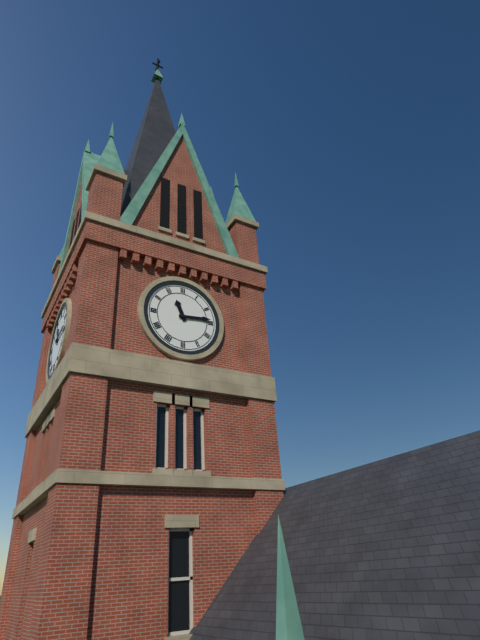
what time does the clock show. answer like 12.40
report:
11.14
